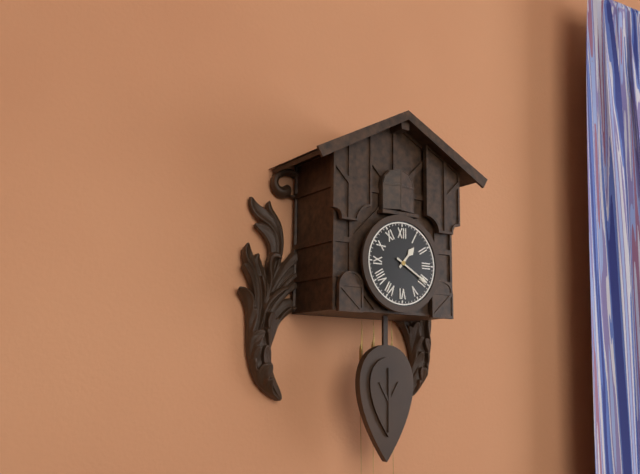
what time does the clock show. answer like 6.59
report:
1.20
